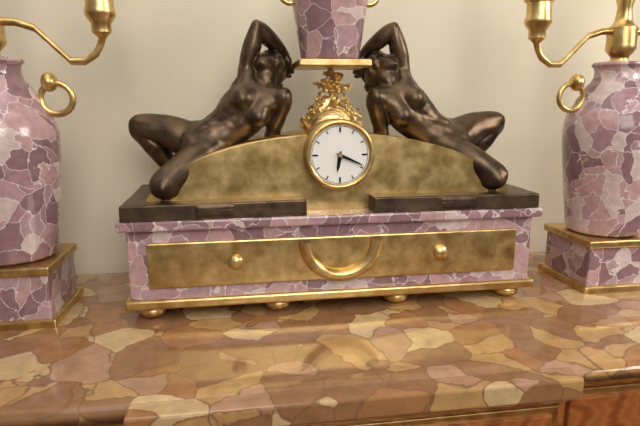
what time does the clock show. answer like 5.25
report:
6.19
